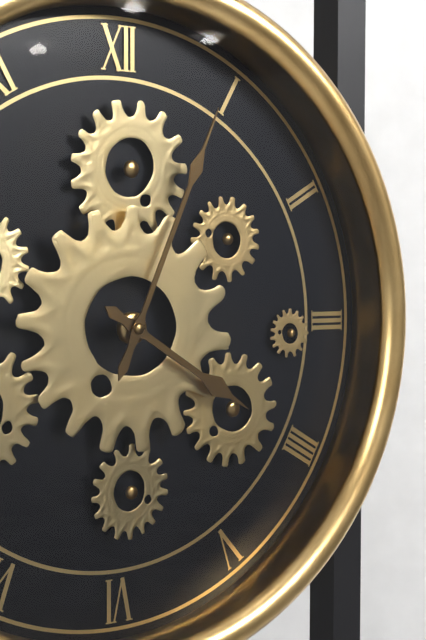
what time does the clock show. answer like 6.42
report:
4.04
